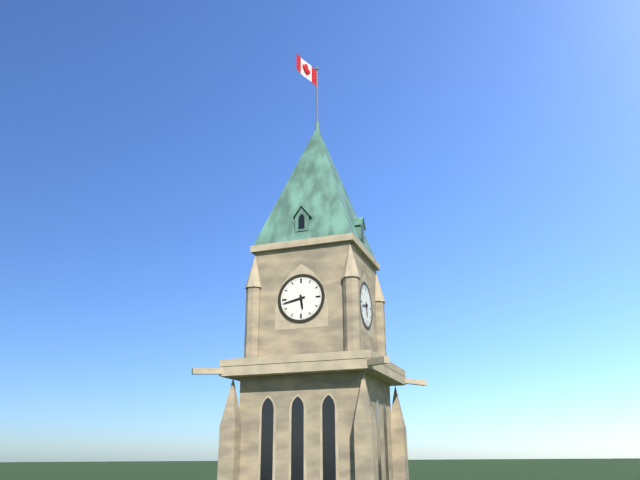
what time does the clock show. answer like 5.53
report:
5.43
